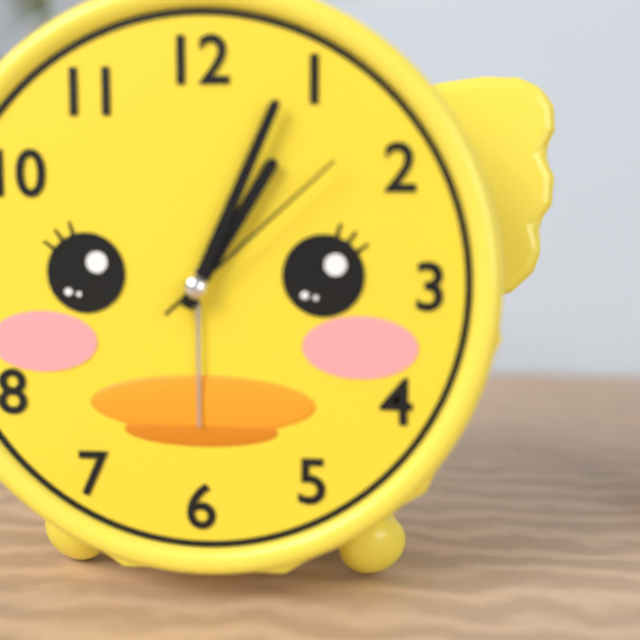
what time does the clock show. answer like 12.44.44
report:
1.04.08
